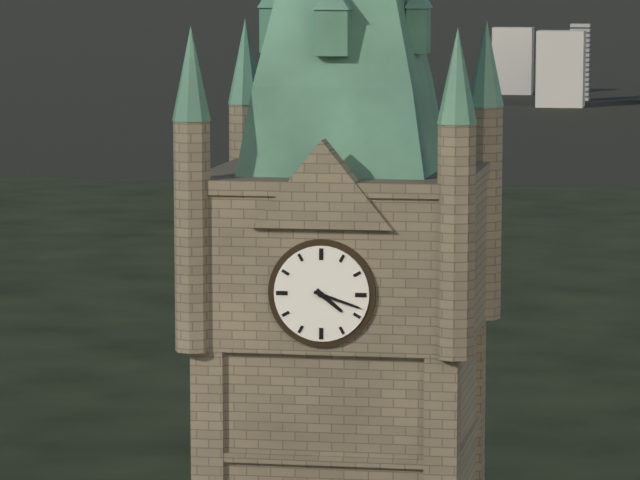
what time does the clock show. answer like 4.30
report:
4.18
